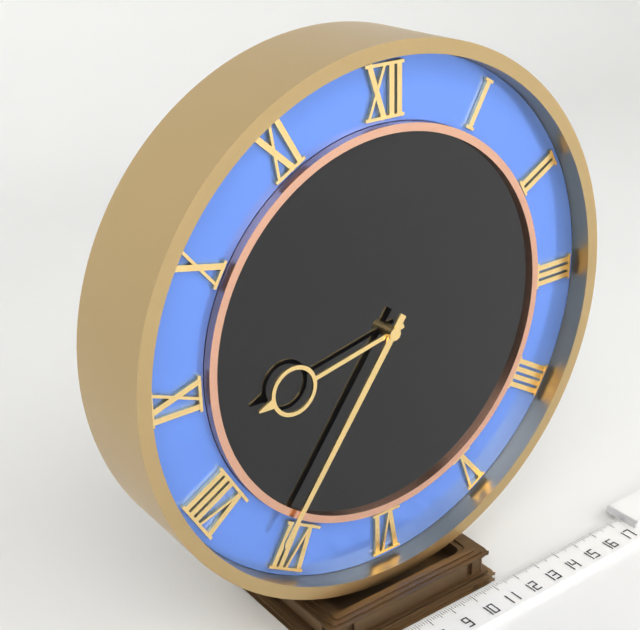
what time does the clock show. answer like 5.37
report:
8.36
